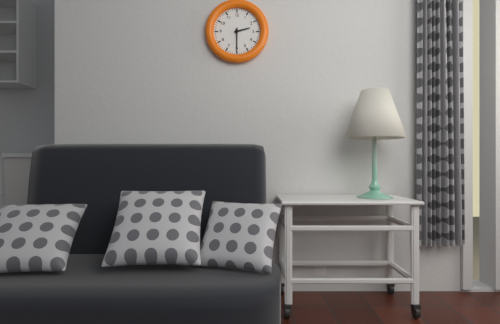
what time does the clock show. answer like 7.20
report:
2.30
